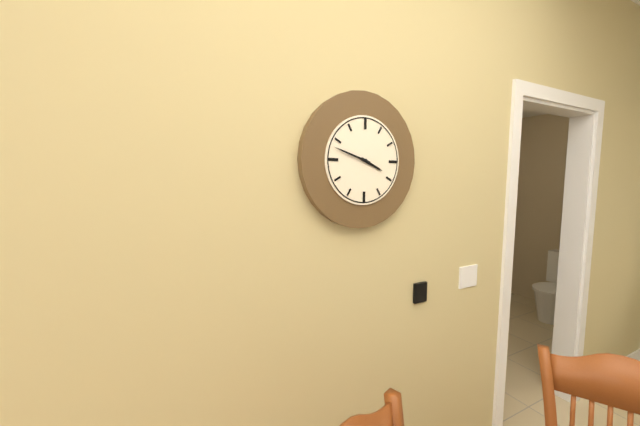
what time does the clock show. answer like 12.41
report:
3.48
